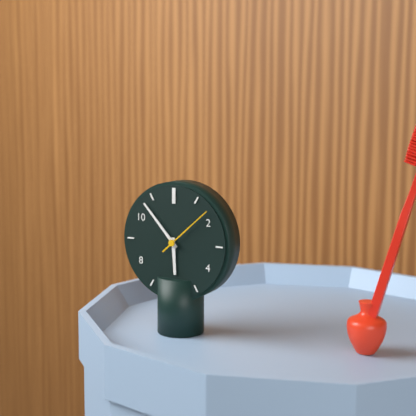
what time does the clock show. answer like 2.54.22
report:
5.53.08
